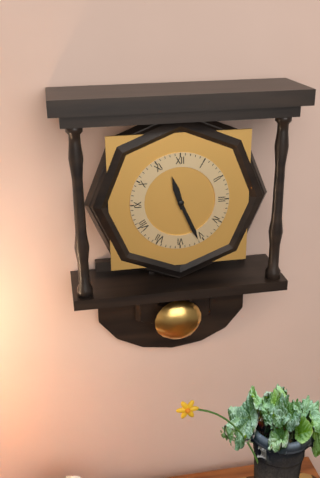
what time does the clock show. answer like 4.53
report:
11.26
